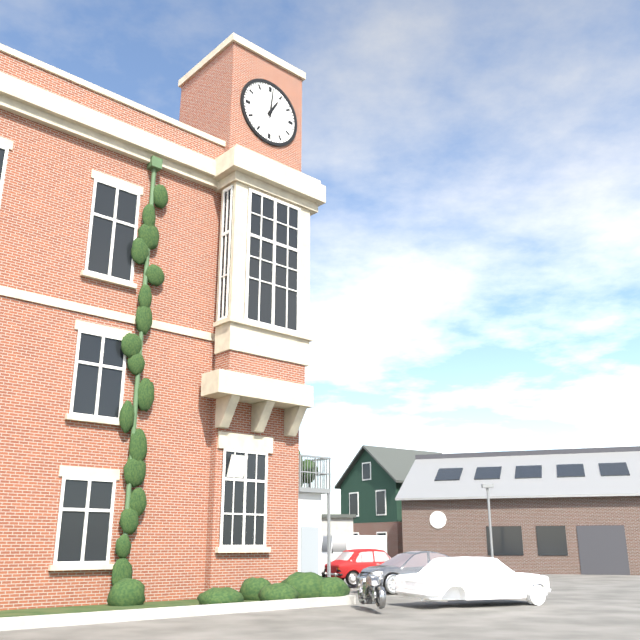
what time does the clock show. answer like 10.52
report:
1.01
